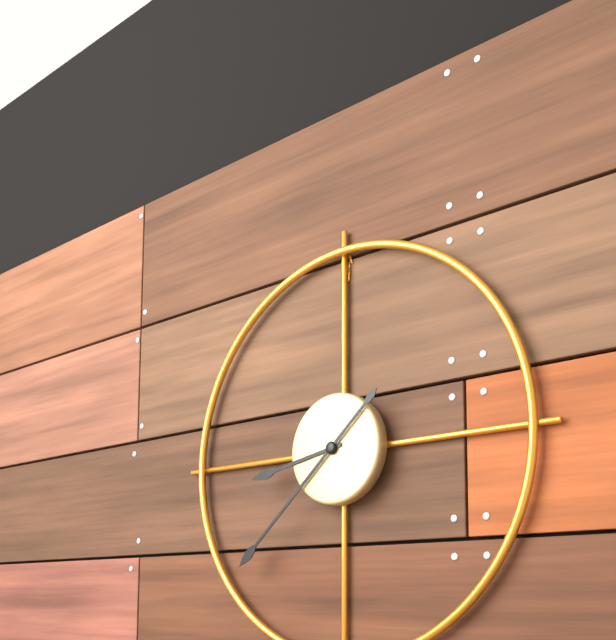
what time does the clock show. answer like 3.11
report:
8.38
